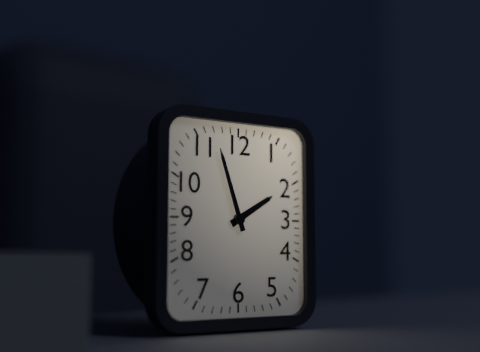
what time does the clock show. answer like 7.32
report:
1.57
